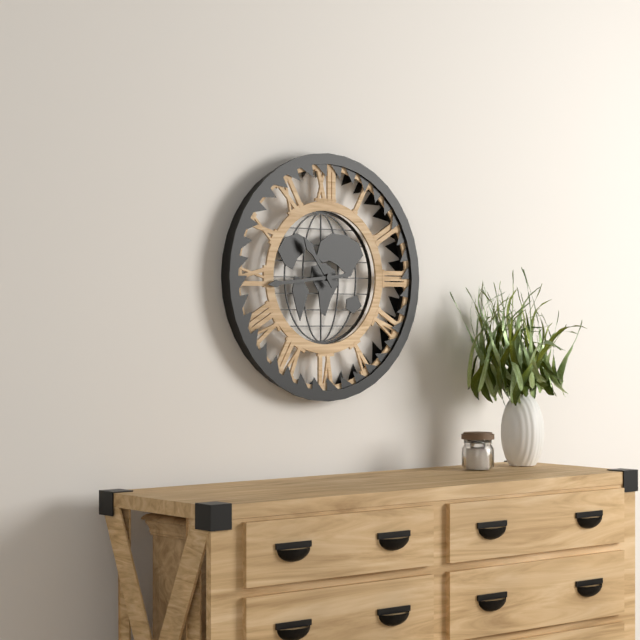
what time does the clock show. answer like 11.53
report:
10.44
